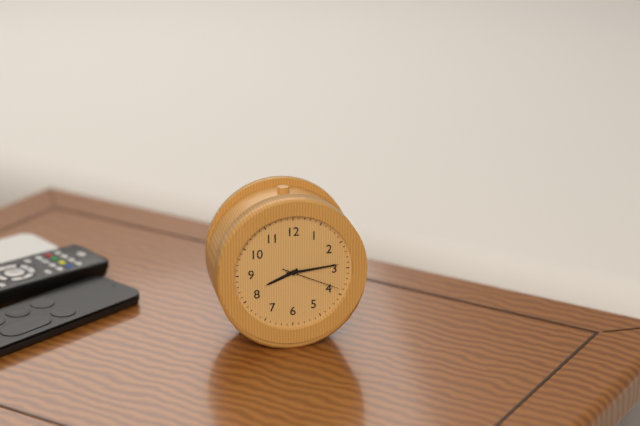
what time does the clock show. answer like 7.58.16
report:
8.14.19
